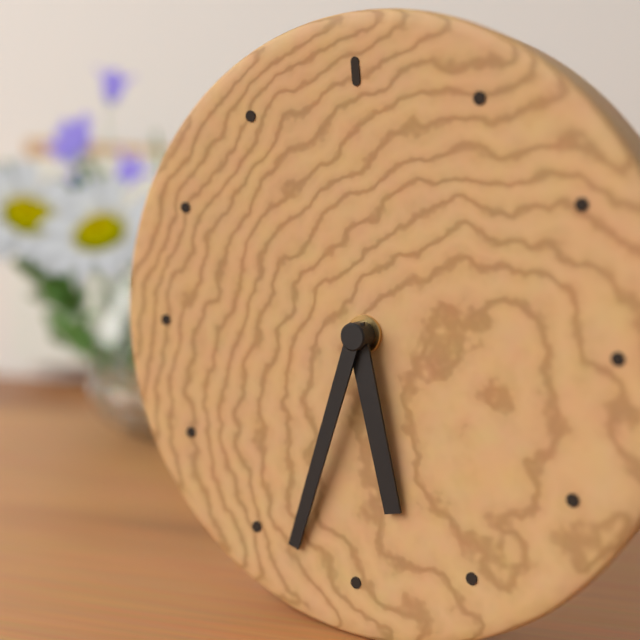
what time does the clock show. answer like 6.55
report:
5.33
